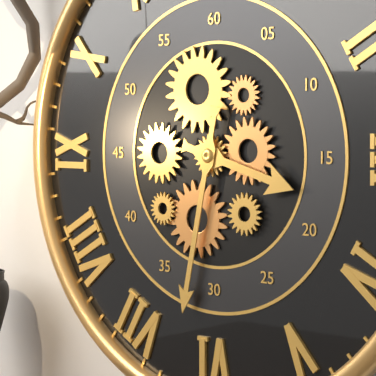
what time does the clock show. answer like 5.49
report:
3.32
